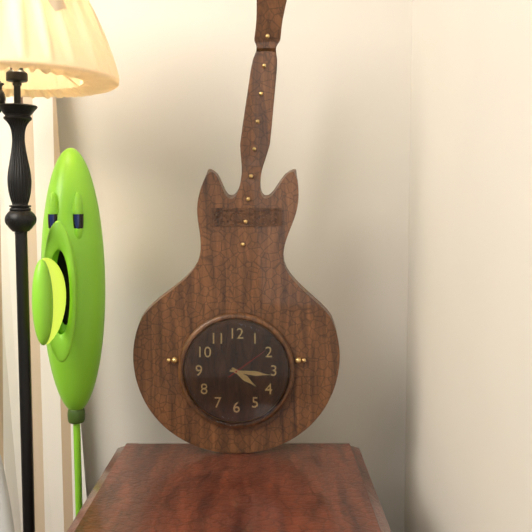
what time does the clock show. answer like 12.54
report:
4.16
